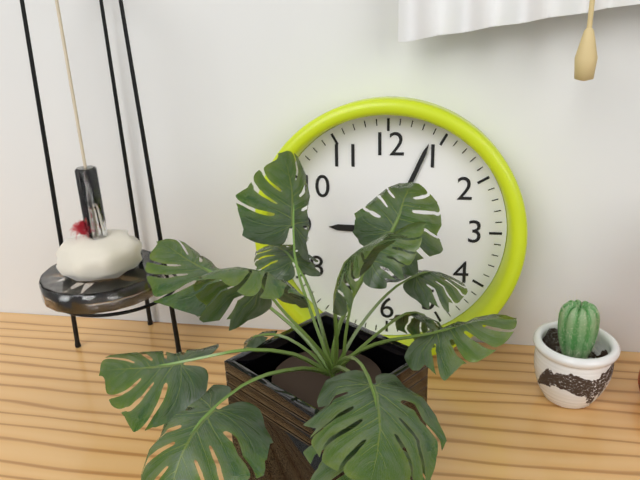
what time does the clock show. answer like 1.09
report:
9.04
